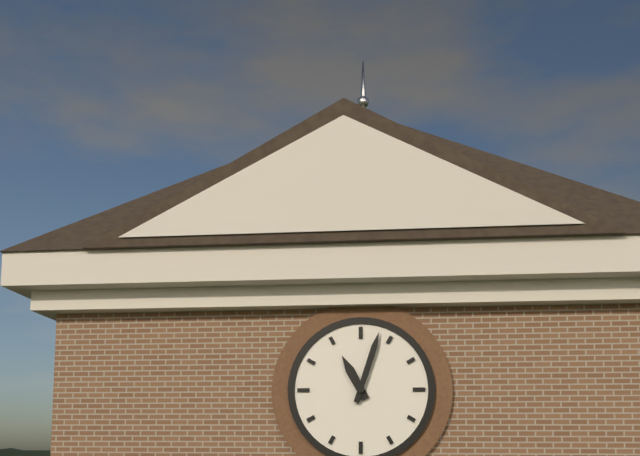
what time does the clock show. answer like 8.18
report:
11.03
